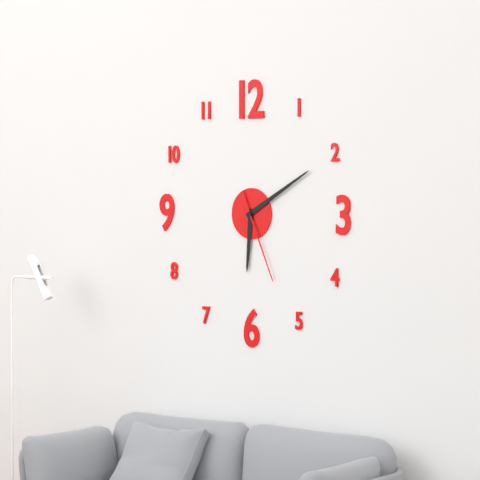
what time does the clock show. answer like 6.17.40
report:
6.10.26
